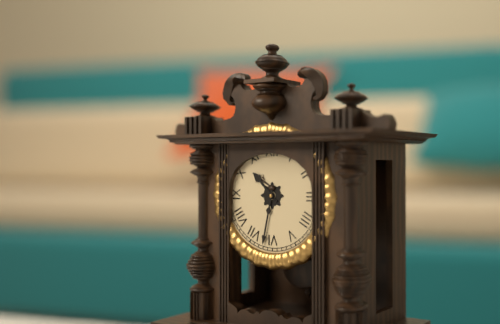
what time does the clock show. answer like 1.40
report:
10.32
